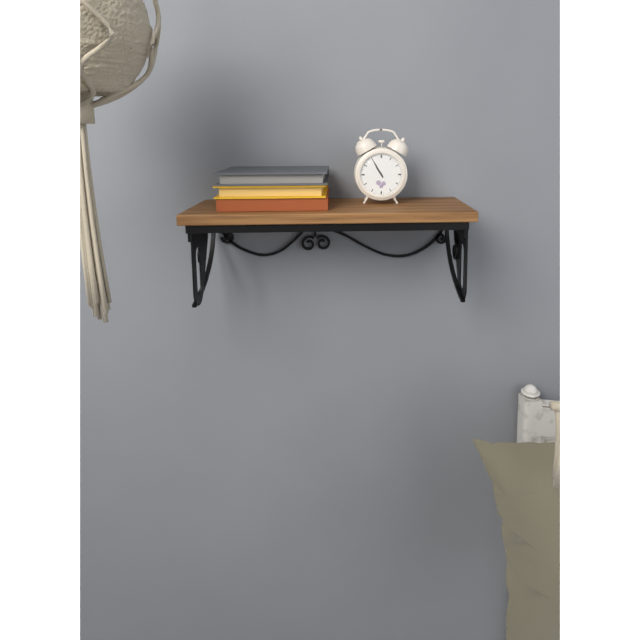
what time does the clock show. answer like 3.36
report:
10.55
